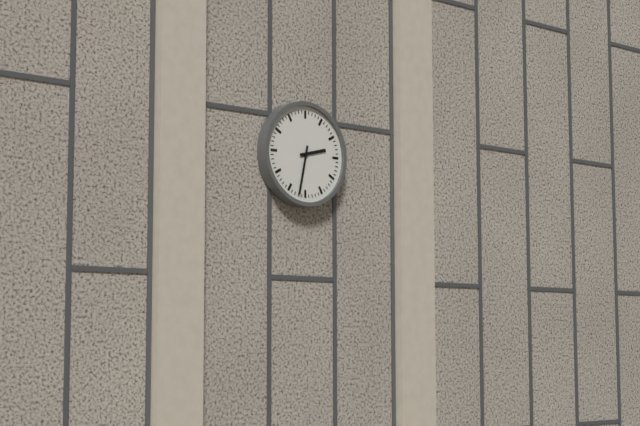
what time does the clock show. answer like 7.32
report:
2.32
